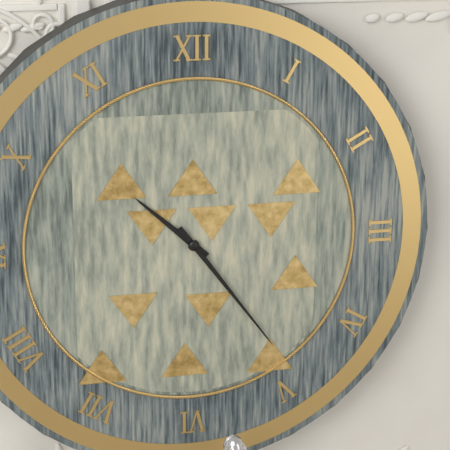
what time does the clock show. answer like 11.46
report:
10.24
